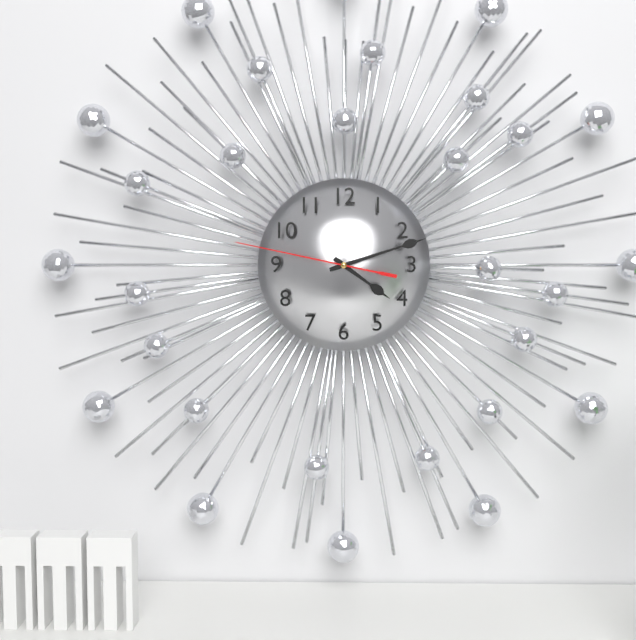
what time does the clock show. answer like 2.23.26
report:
4.12.47
